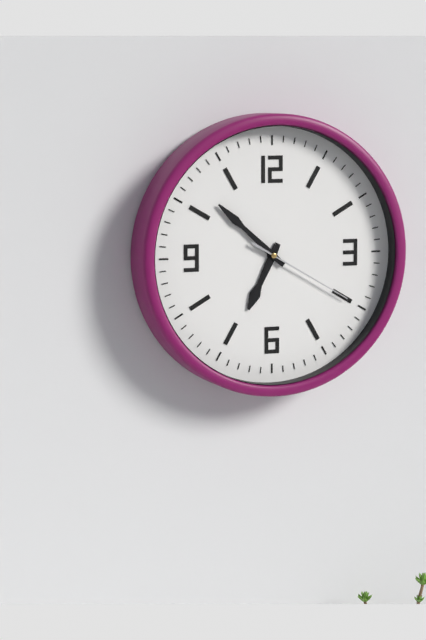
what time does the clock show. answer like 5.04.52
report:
6.52.20
